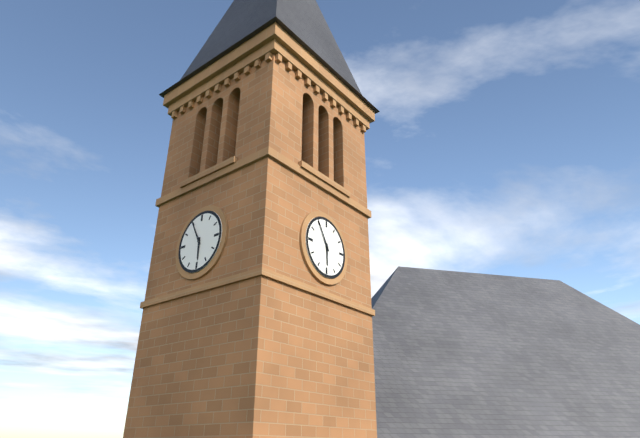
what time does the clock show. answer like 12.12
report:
5.55
